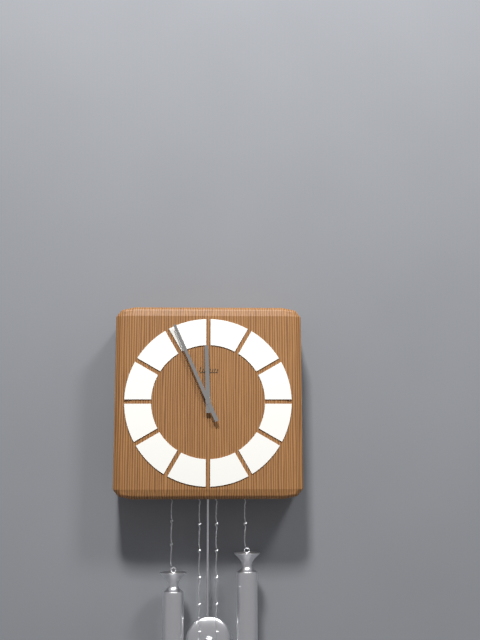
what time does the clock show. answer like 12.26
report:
11.56
